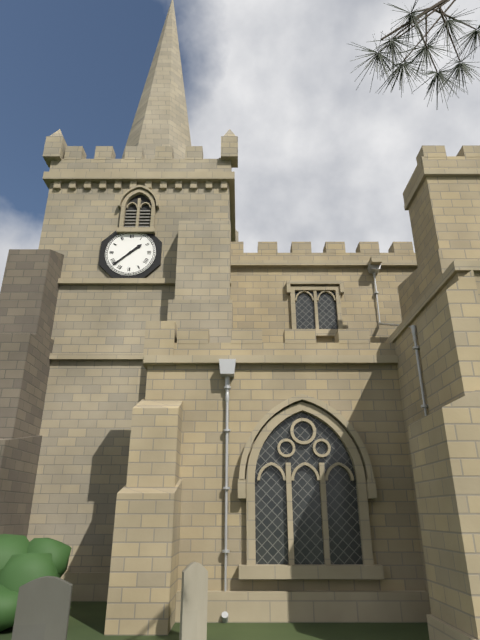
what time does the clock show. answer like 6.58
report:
1.38
